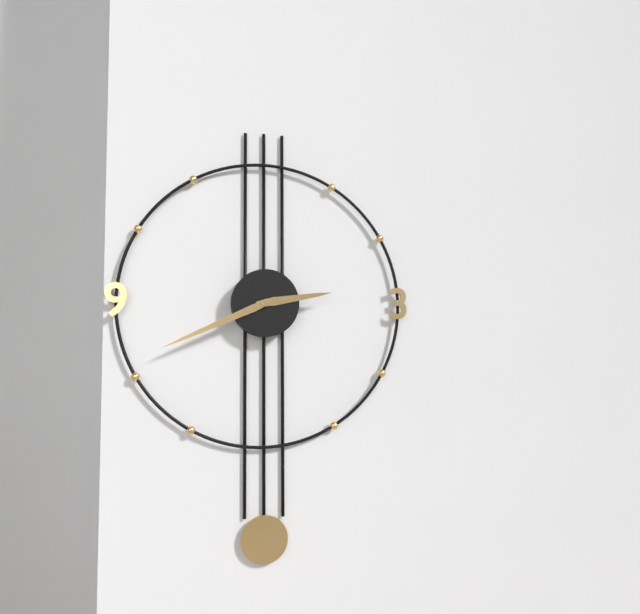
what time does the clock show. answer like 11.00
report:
2.41
